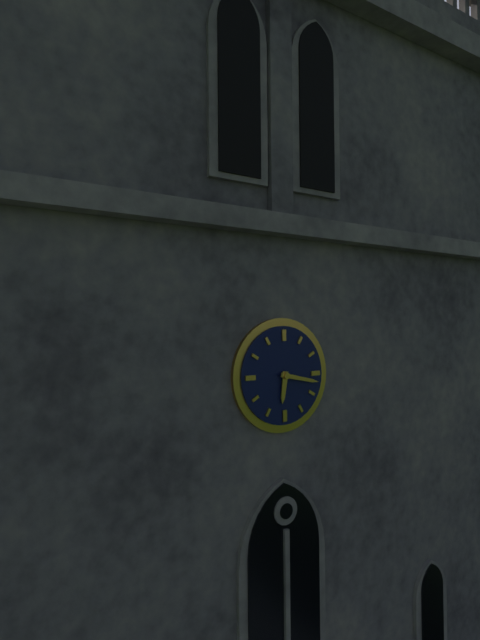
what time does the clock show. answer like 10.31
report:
6.17
